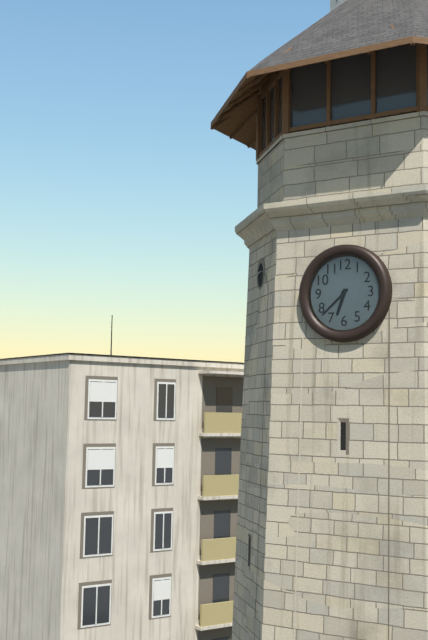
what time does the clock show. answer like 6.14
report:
6.38
